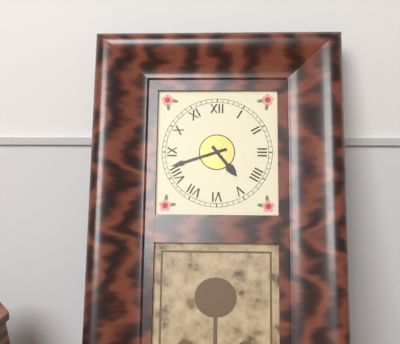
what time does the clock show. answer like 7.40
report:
4.42
